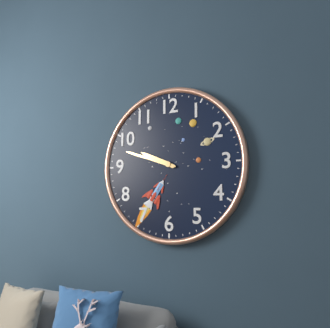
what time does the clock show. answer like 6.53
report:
9.48
